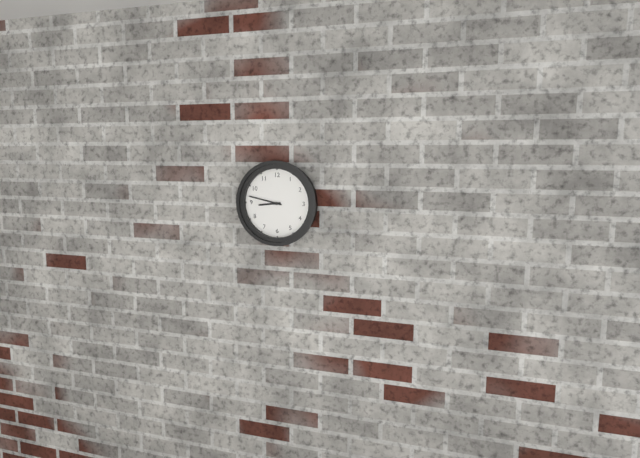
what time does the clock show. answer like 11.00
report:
8.47
